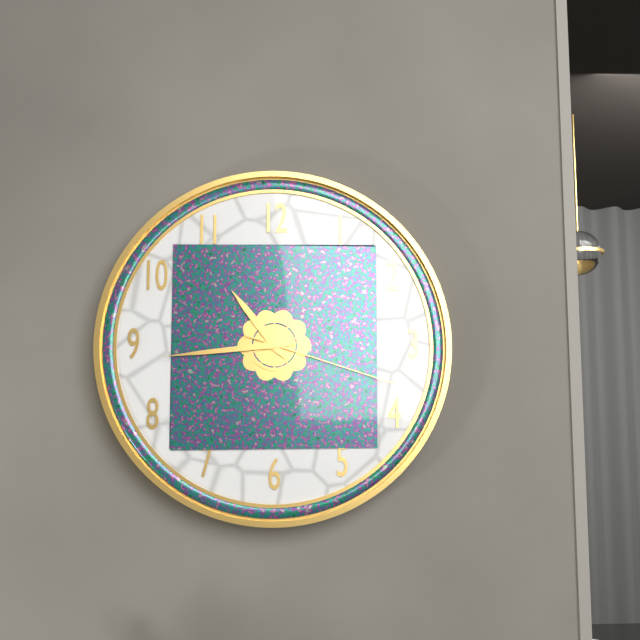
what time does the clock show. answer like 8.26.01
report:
10.44.18
